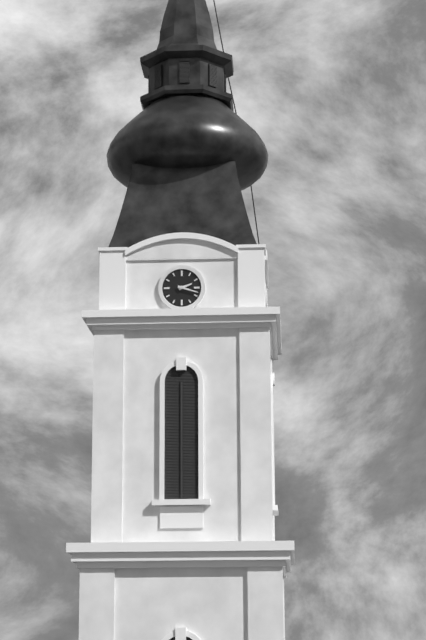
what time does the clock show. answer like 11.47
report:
2.18
